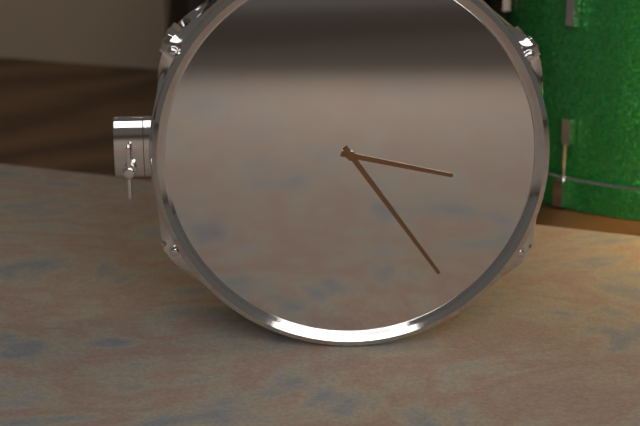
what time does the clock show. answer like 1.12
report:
3.24
